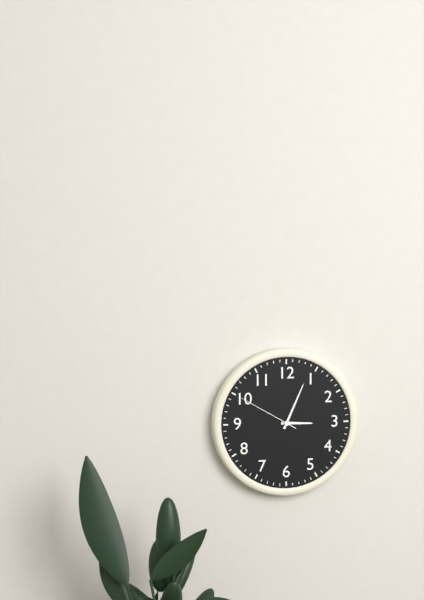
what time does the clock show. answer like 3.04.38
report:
3.04.50
